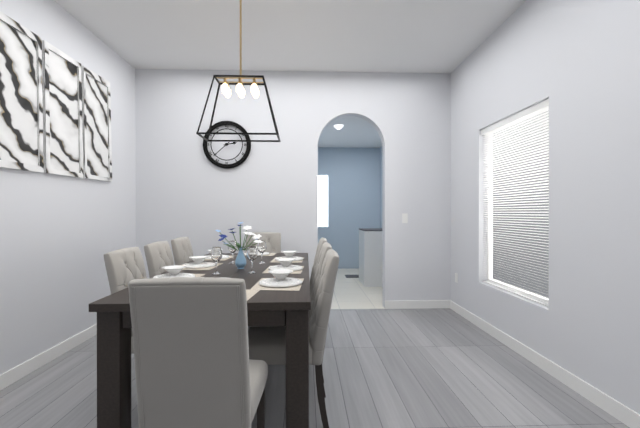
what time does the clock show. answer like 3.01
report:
2.38
